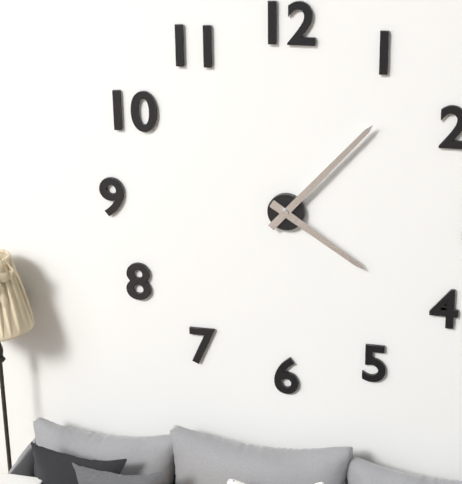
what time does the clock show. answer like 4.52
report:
4.07
